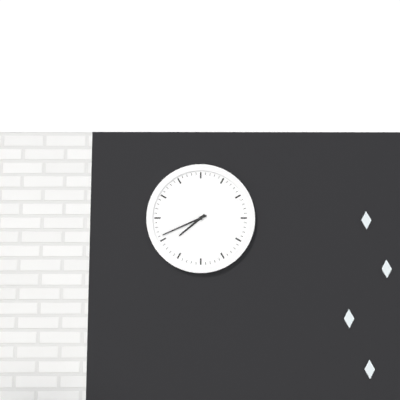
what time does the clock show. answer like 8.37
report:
7.41
